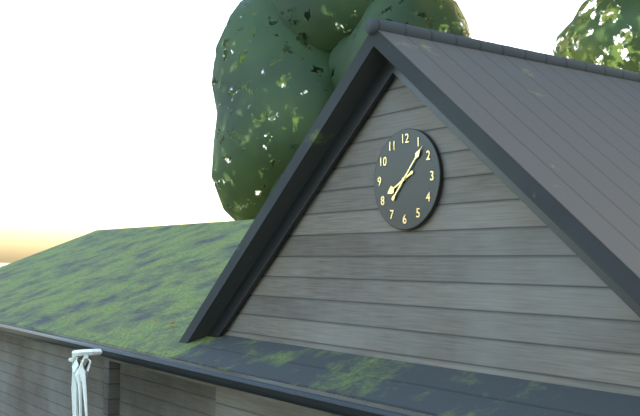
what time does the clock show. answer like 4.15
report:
8.07
